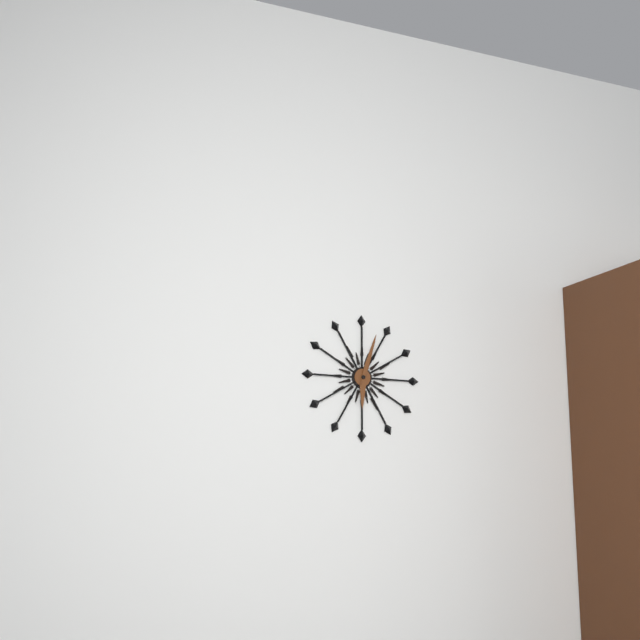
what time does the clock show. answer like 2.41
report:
6.03
